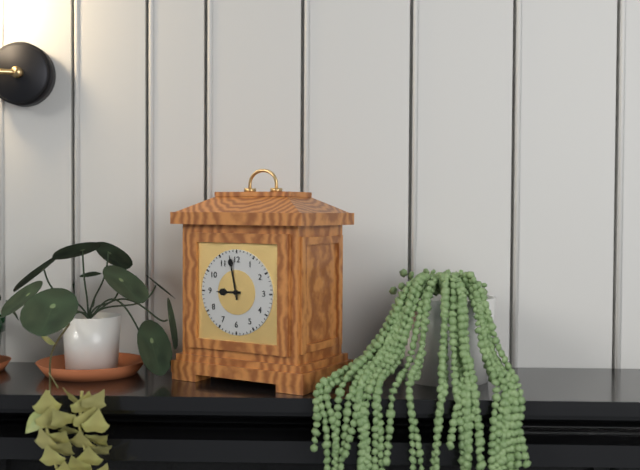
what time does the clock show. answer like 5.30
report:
8.58
